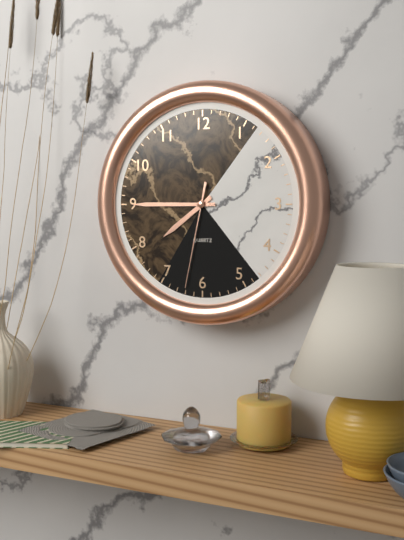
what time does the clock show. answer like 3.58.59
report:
7.45.32
